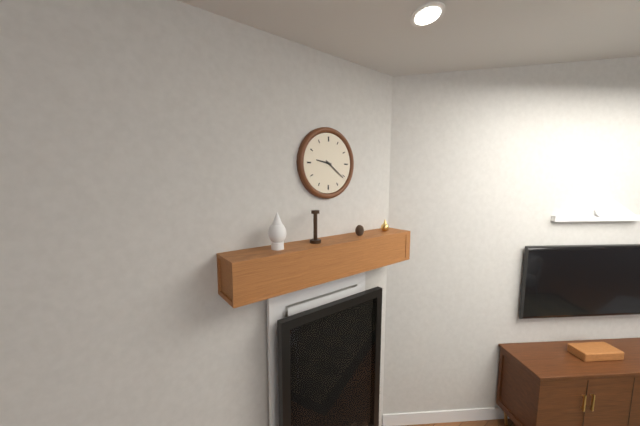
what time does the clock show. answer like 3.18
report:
9.21
